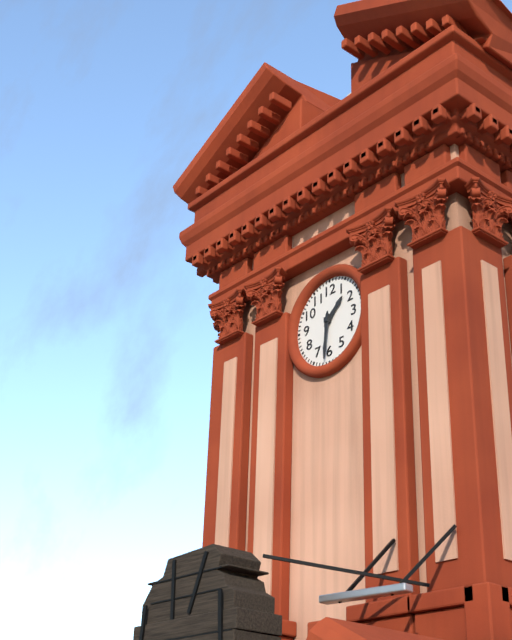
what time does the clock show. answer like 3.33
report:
1.31
